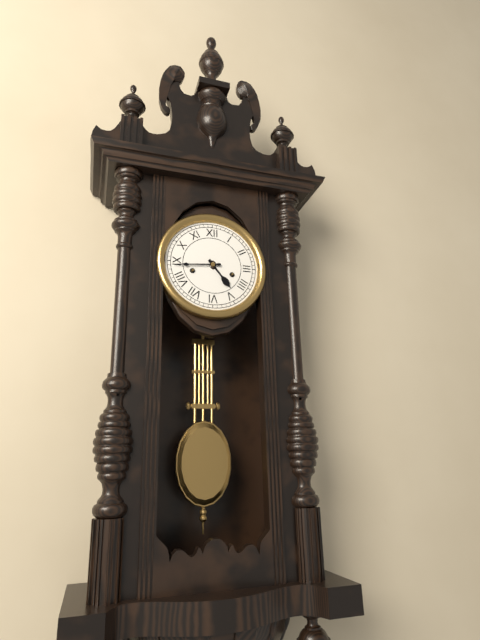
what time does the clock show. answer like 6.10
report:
4.44
